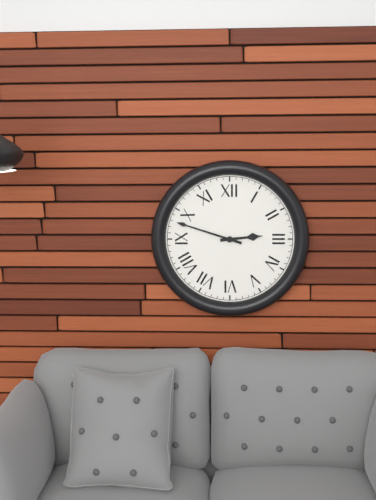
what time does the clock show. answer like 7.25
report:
2.48
